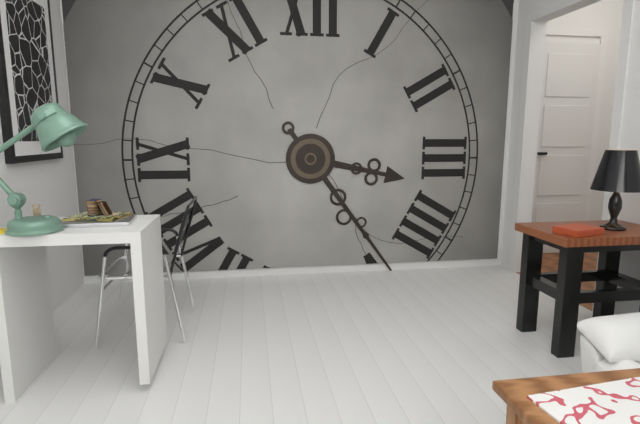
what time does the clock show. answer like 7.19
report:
3.24
